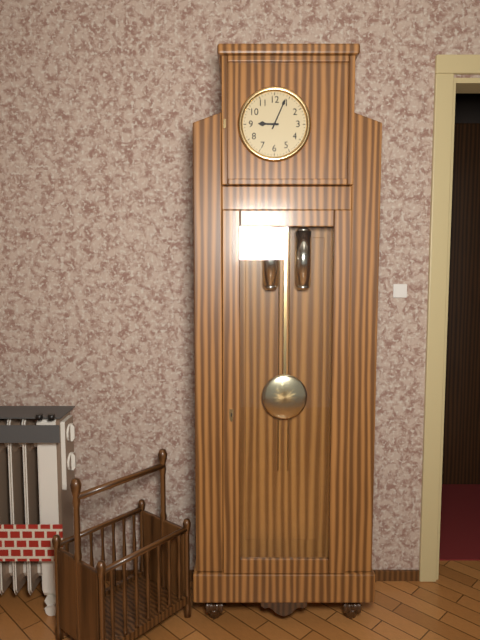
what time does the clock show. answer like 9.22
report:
9.04
